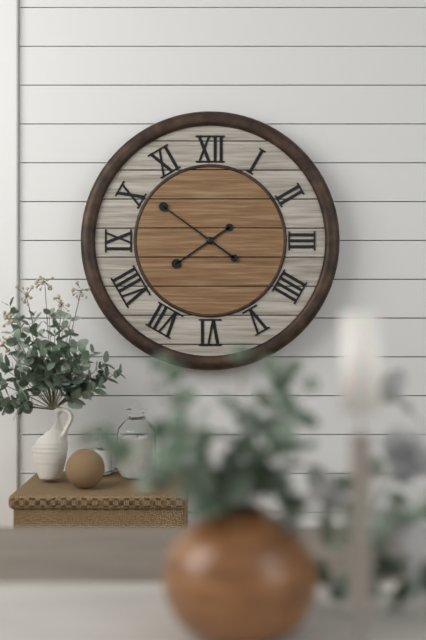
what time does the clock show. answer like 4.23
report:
7.51
